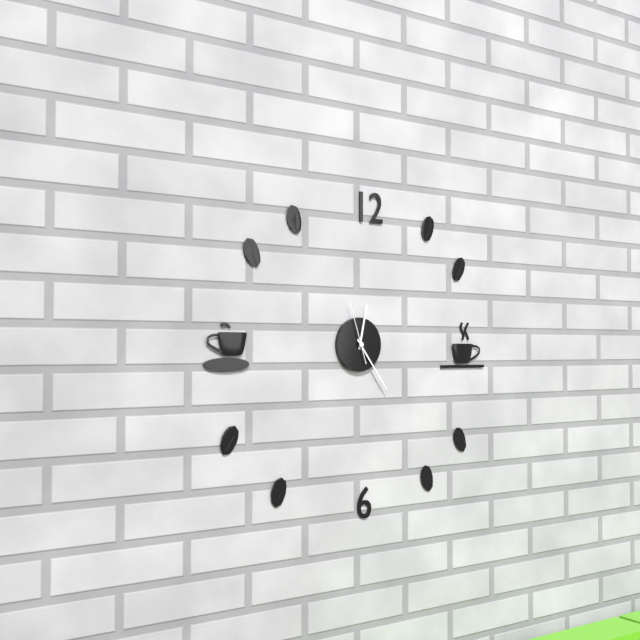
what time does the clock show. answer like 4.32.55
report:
12.24.57
